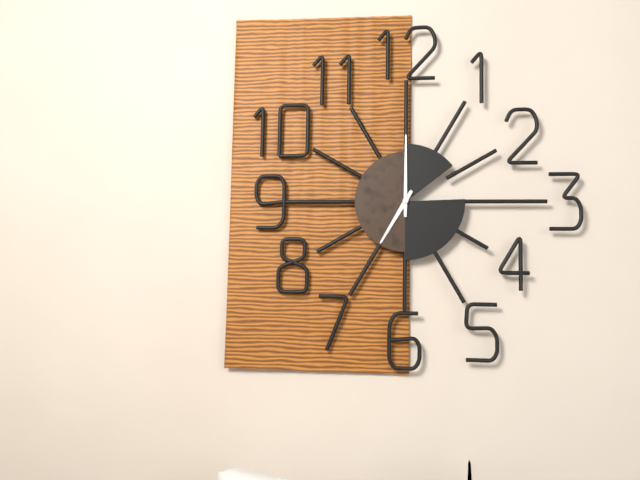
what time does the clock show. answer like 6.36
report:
7.00
